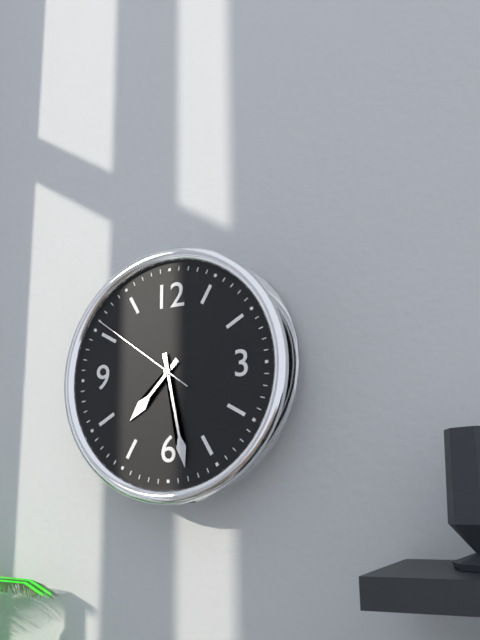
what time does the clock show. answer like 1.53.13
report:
7.28.51
